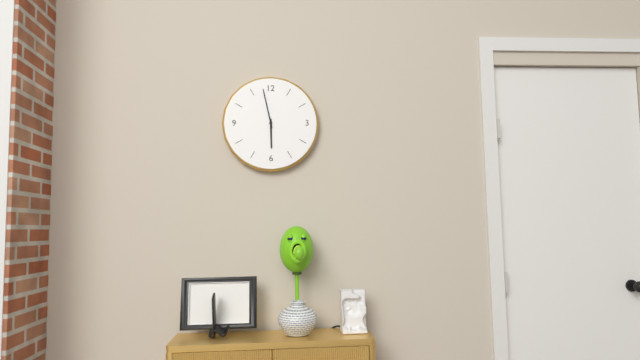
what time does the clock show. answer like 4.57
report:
5.58
